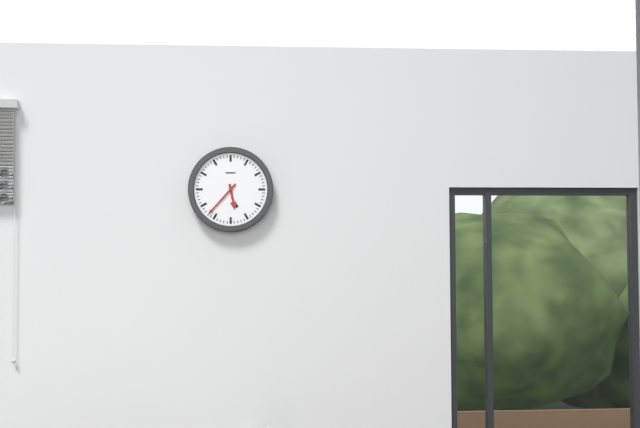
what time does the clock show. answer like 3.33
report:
5.37
